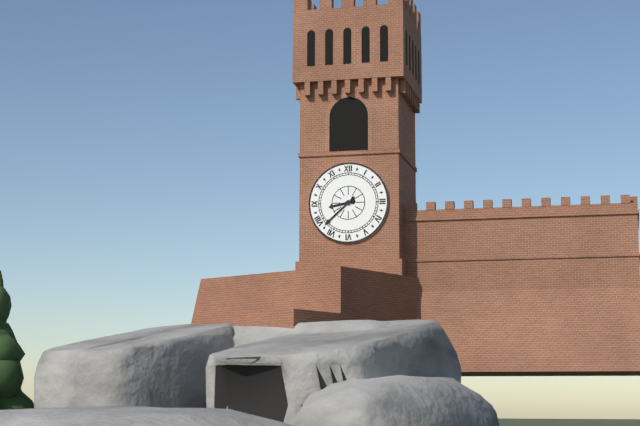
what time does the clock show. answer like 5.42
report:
8.38
